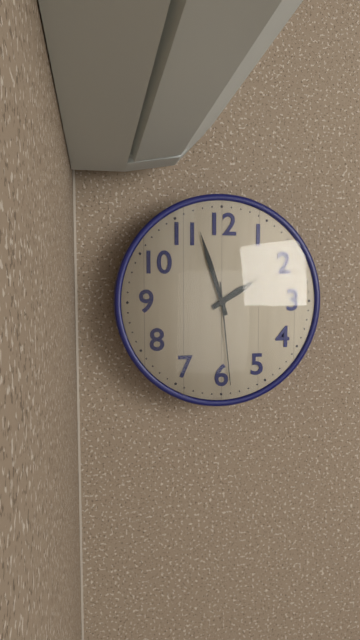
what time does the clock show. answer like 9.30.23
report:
1.57.29
